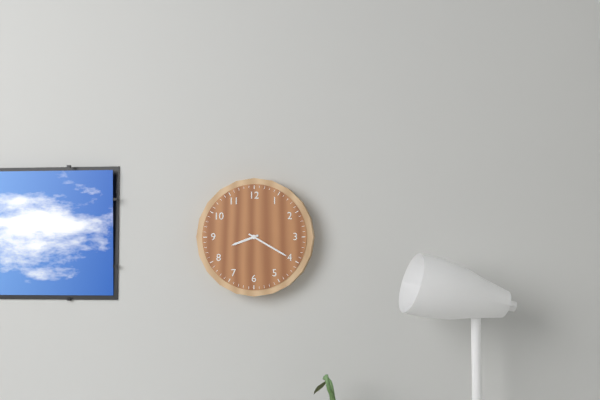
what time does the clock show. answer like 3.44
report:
8.20
